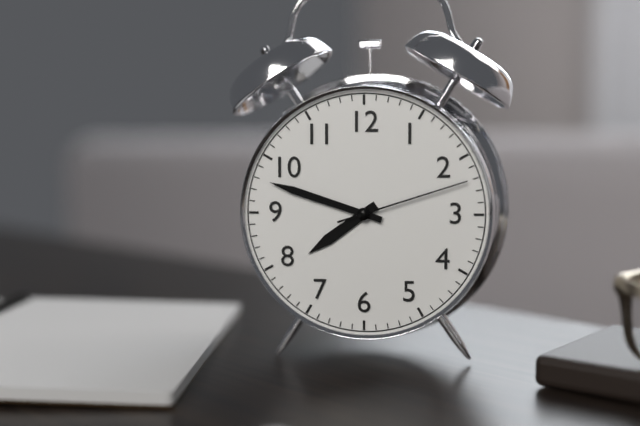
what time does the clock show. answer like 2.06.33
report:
7.48.12
